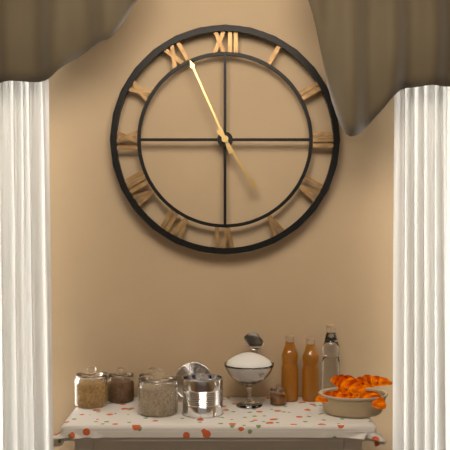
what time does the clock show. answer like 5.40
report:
4.56
